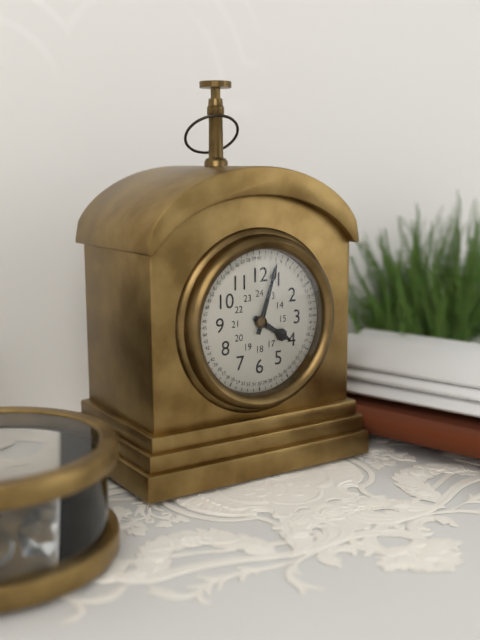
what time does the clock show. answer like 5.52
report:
4.03
